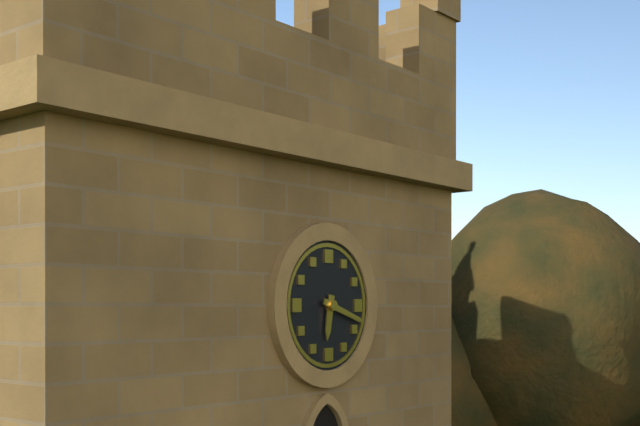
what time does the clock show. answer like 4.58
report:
6.18
